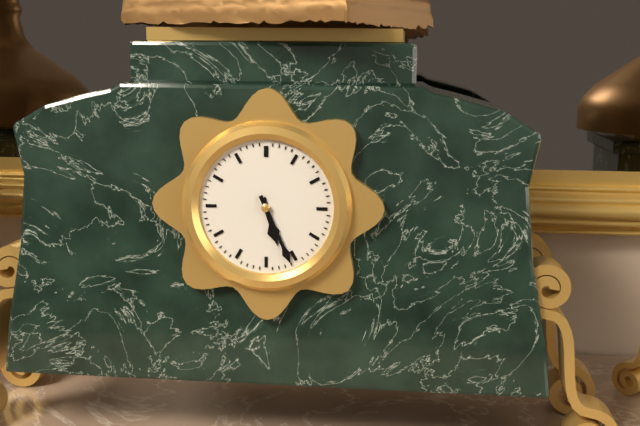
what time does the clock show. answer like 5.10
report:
5.26
